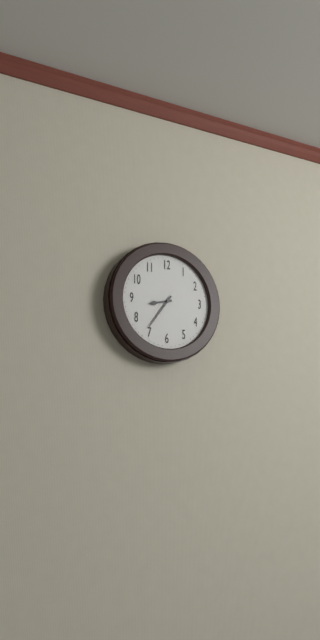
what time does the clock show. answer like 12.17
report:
8.36
